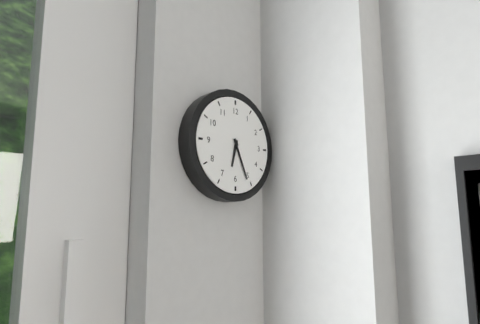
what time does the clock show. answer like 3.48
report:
6.26
